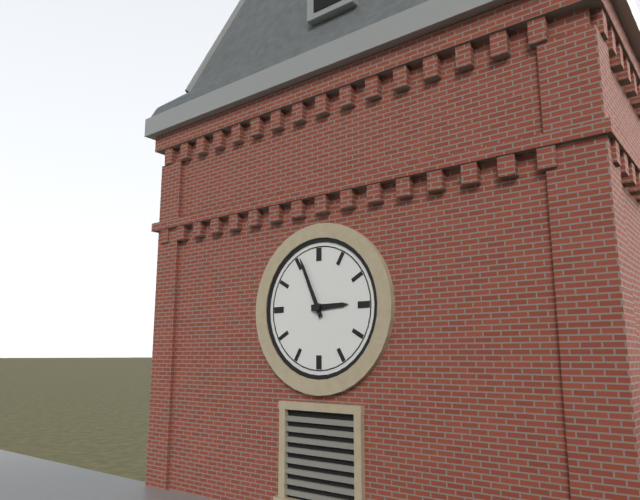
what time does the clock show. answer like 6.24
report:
2.56
